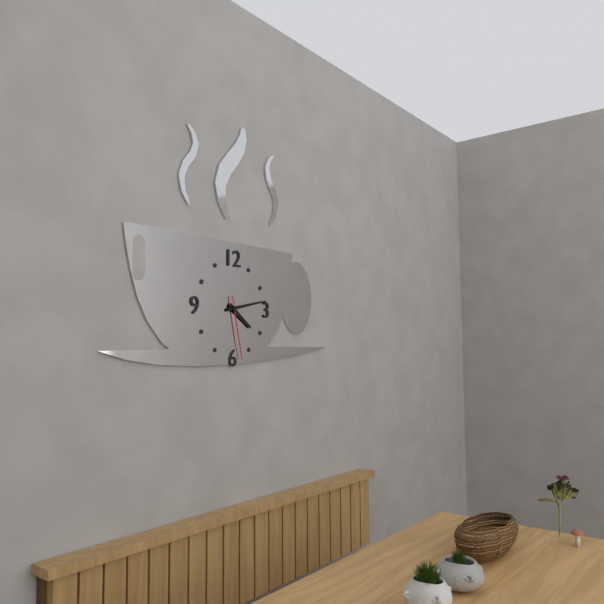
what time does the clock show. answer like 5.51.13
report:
4.13.28
